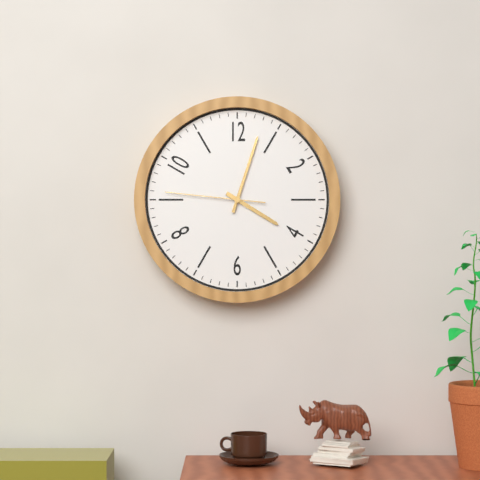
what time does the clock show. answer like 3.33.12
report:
4.03.46
